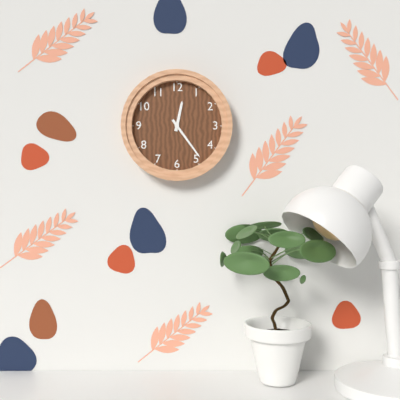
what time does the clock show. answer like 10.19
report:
12.24
